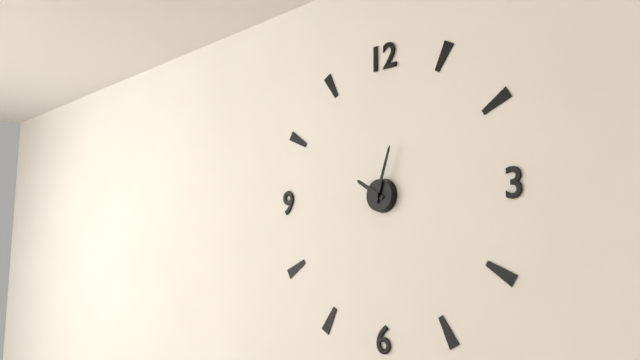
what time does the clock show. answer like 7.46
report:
10.03
